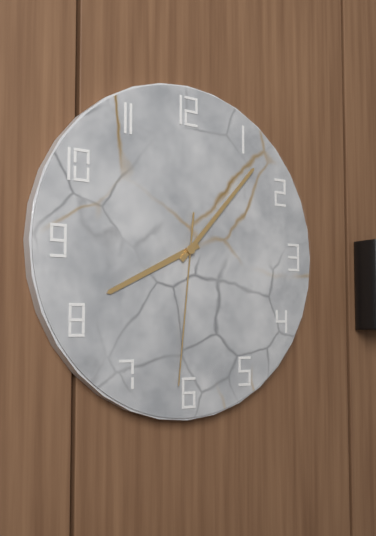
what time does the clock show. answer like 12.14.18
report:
8.07.31
